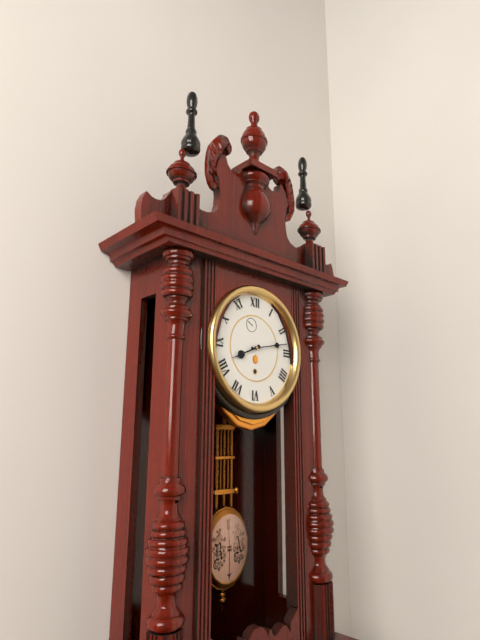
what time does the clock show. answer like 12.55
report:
8.13
